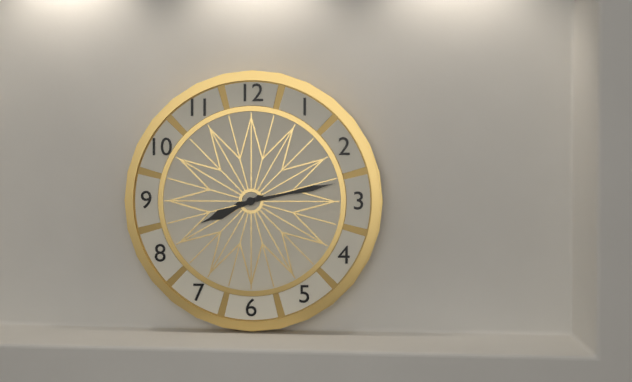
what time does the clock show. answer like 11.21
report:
8.13
